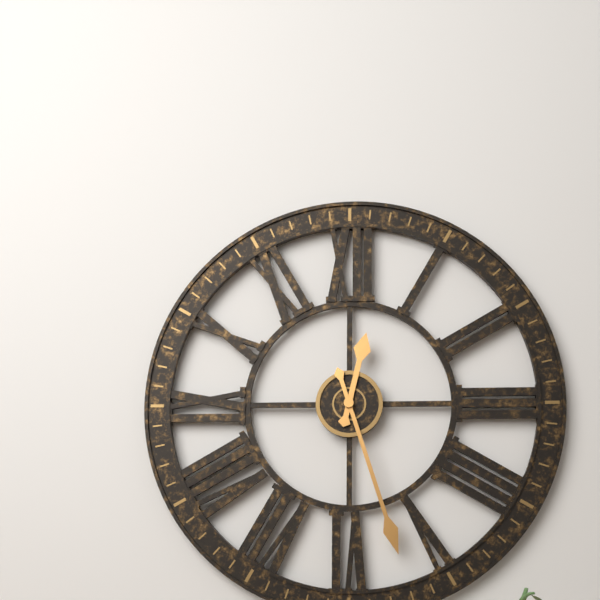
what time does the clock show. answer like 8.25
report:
12.27
